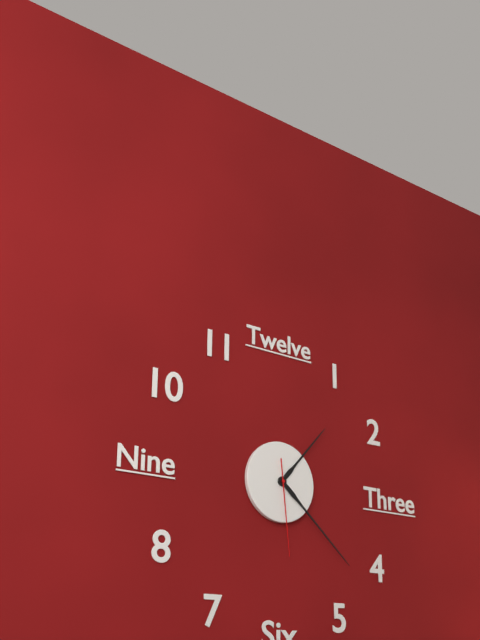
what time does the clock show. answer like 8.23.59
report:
1.22.29
